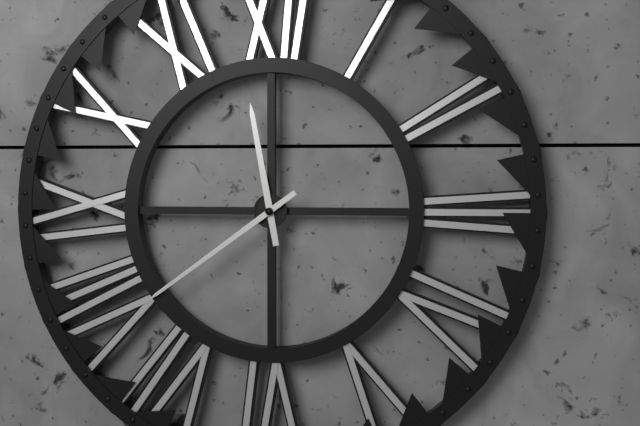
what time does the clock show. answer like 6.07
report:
11.39
